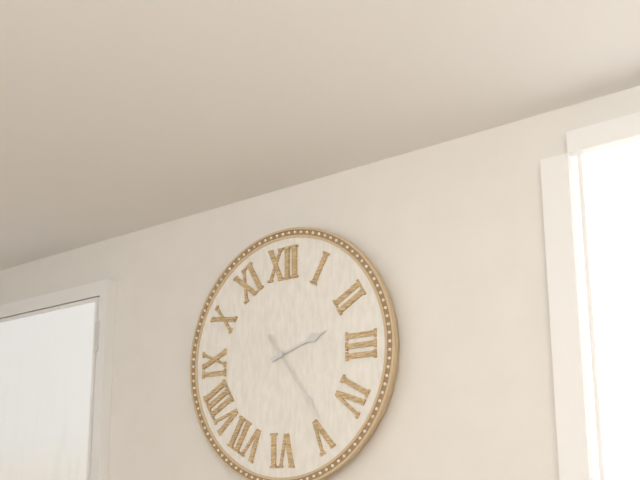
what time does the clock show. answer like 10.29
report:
2.24
